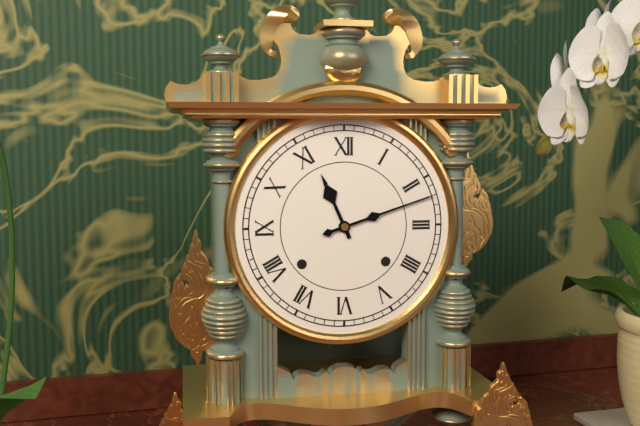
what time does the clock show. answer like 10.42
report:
11.12
